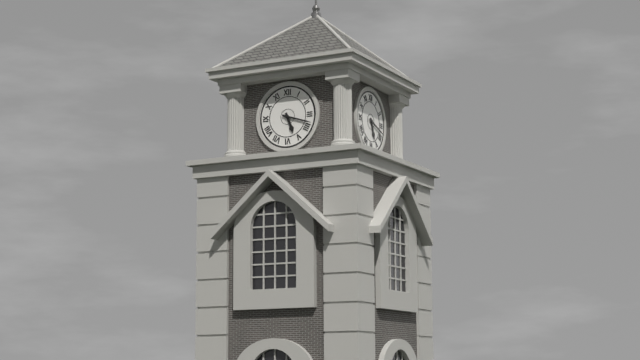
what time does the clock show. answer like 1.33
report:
5.18
